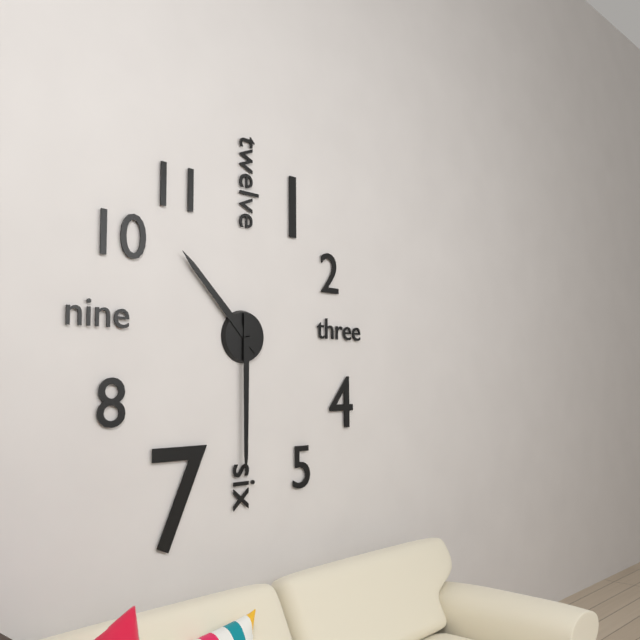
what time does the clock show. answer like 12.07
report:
10.30
